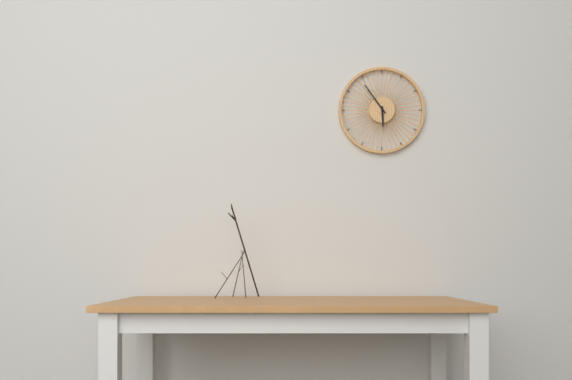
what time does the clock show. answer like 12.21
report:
5.54
